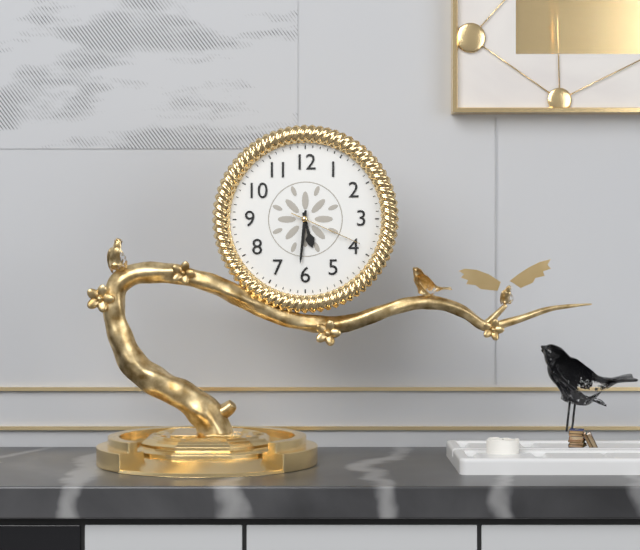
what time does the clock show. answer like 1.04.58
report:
5.31.19
